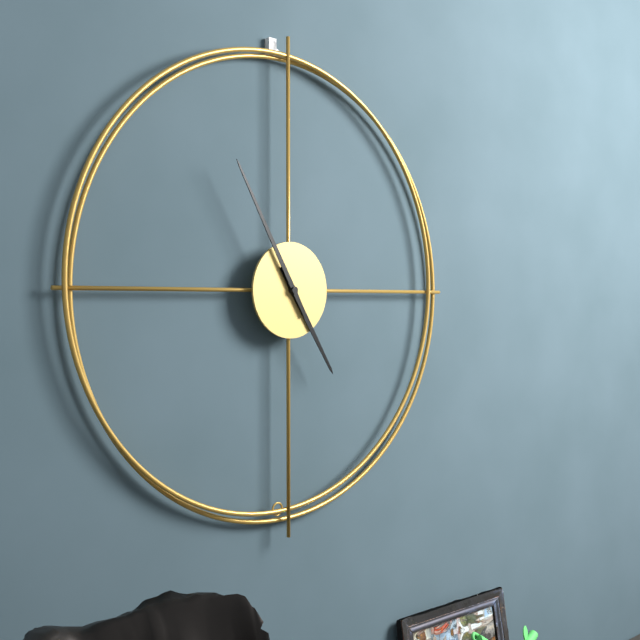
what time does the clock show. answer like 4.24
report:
4.55
